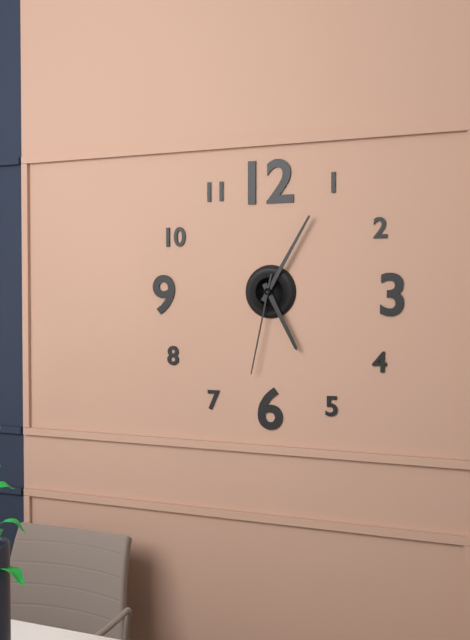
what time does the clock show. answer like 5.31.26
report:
5.05.32
